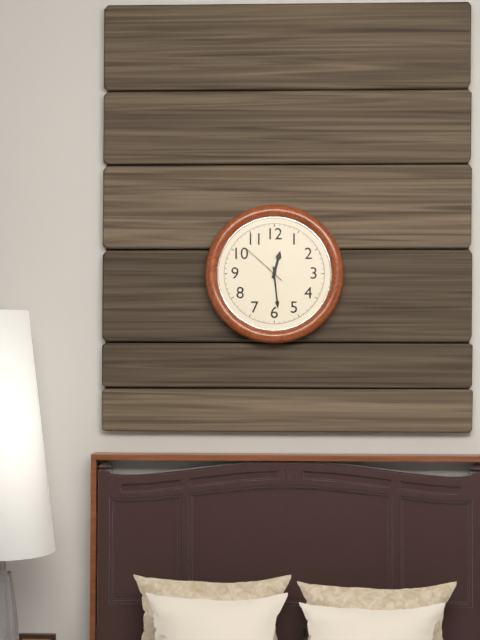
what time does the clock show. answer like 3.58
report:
12.29
